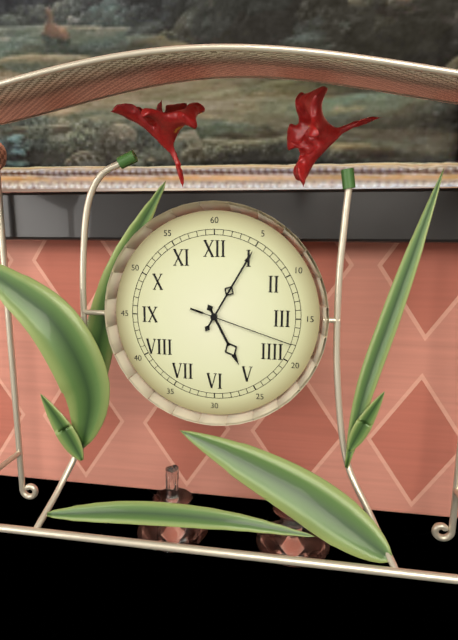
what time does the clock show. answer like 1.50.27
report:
5.05.18
